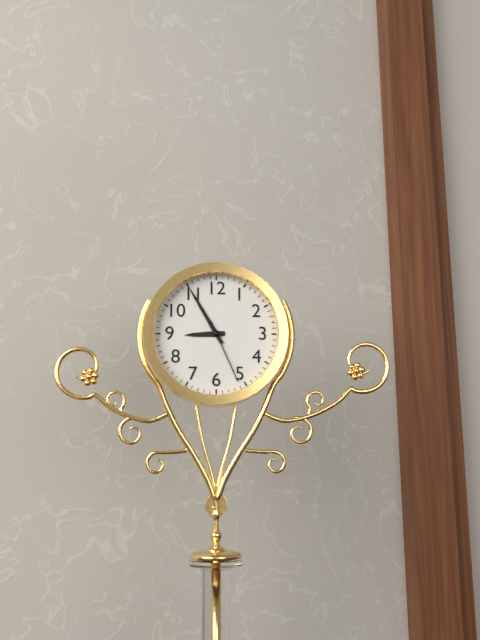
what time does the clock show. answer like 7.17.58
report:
8.55.26
